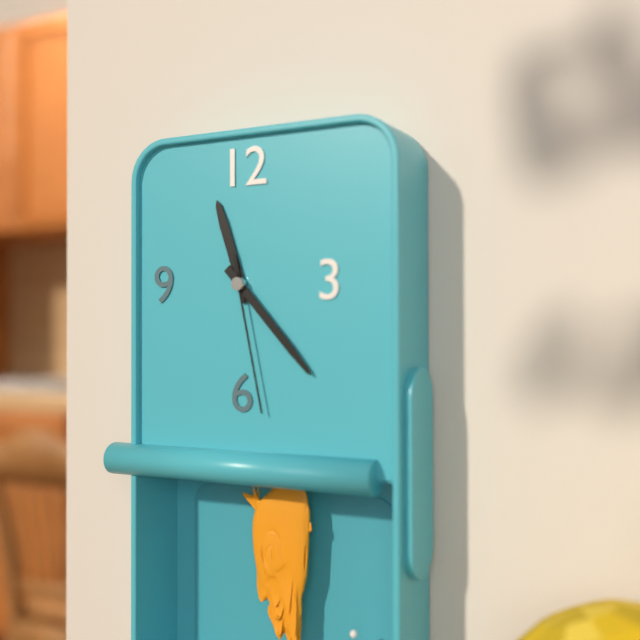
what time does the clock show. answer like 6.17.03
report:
11.23.28
